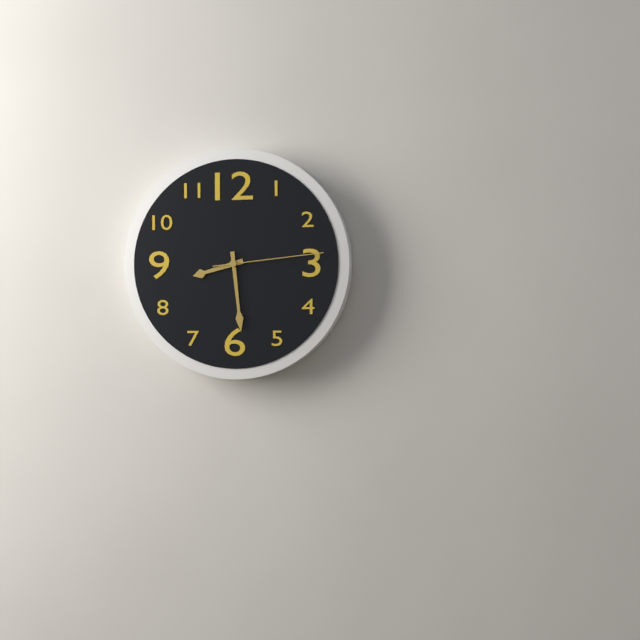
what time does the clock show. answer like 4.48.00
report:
8.29.14
